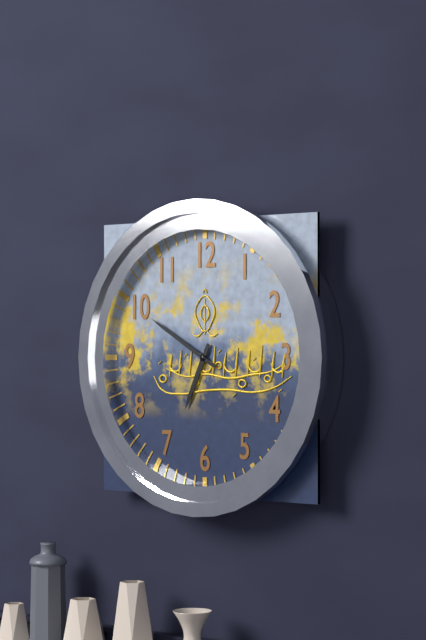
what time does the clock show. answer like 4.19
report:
6.50
